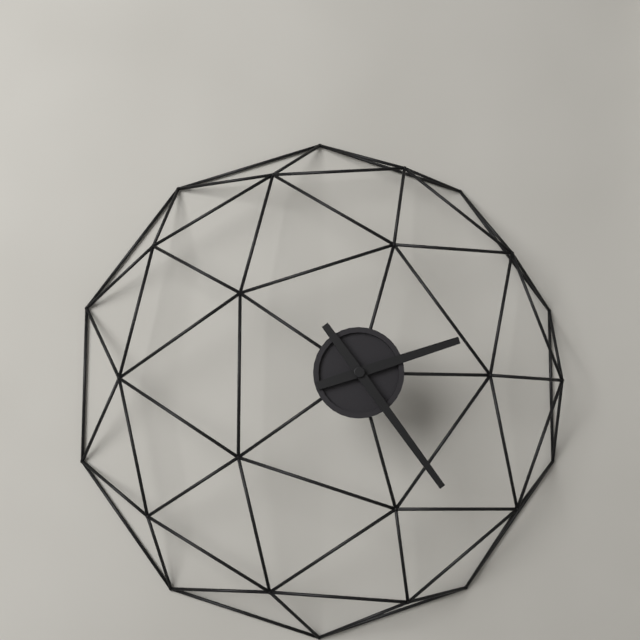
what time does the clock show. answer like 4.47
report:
2.24
